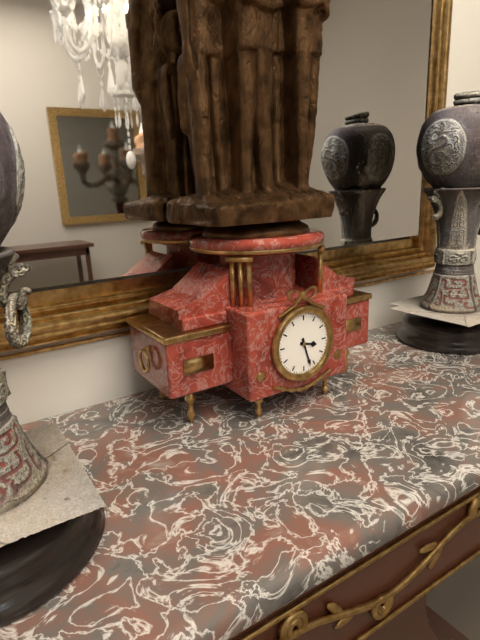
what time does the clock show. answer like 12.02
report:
3.27
